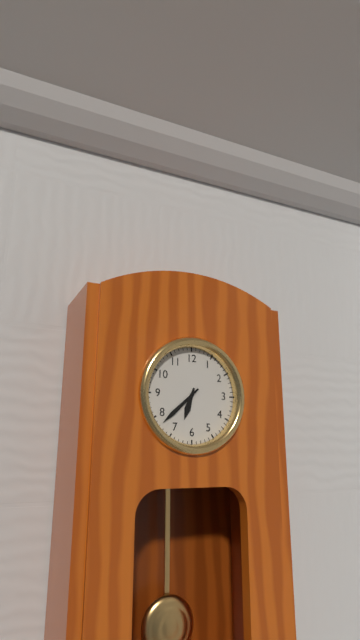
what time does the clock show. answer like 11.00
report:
6.38
